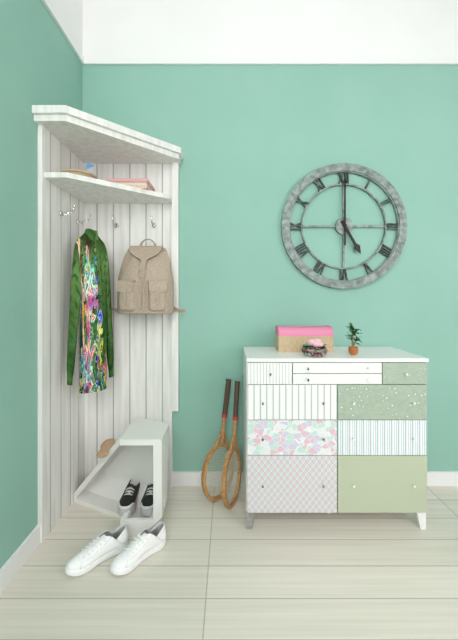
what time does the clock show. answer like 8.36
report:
5.00
